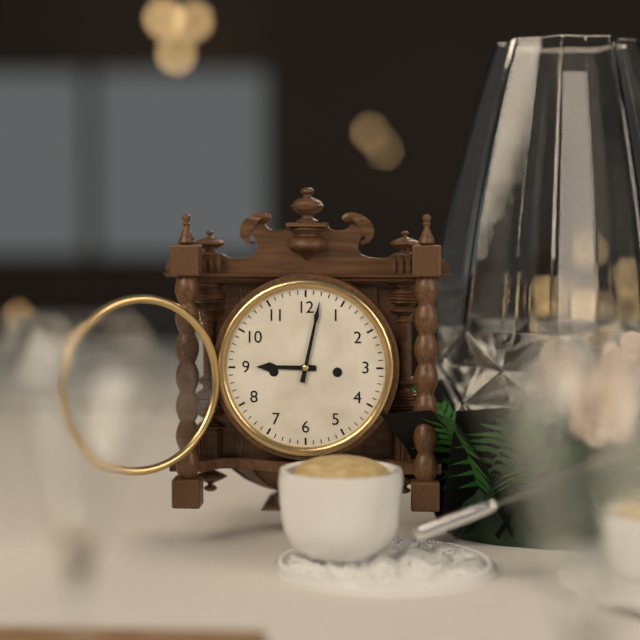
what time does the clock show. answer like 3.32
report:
9.02
